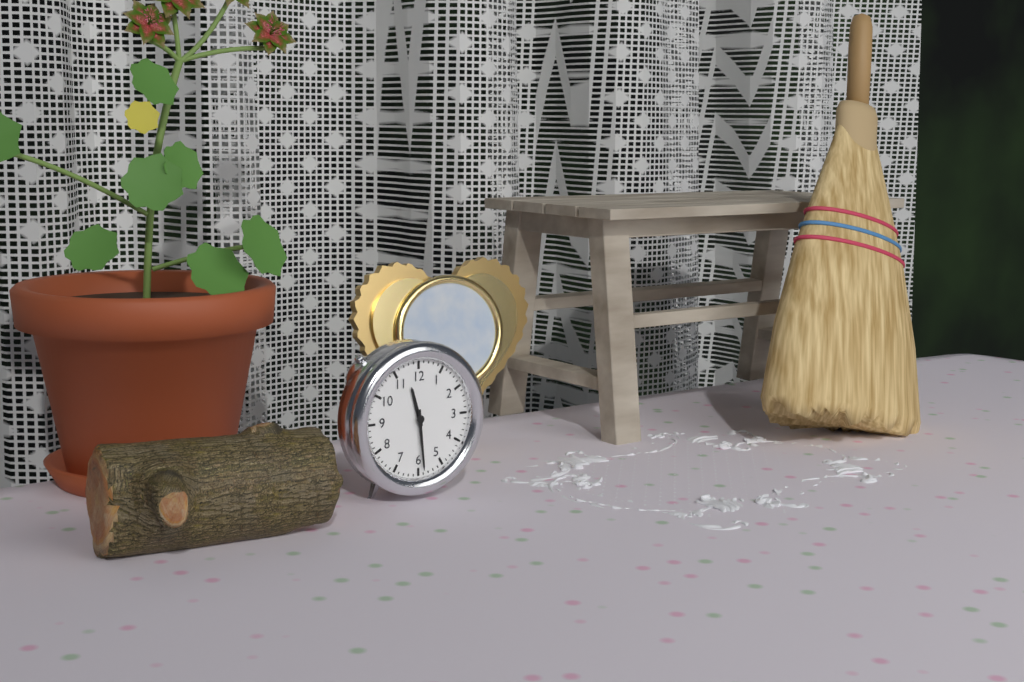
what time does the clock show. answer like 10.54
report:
11.29
